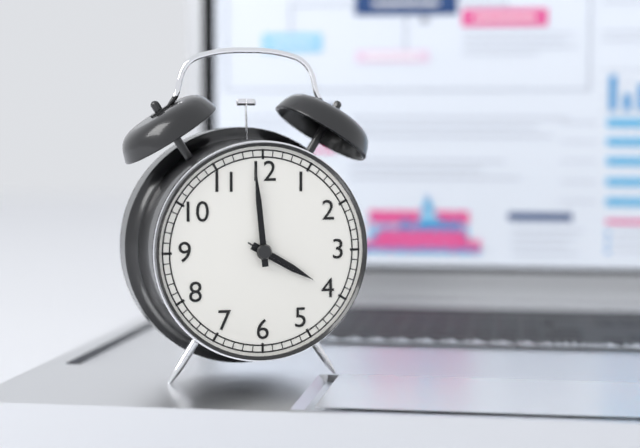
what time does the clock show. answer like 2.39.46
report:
3.59.20
